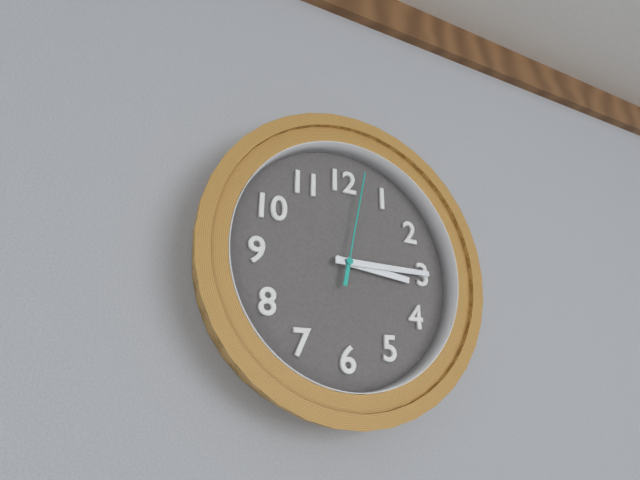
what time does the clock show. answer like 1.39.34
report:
3.15.02
